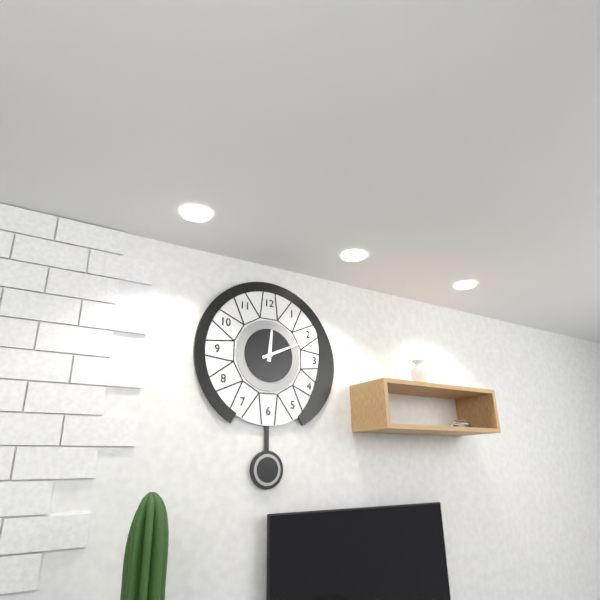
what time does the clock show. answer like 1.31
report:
12.11
